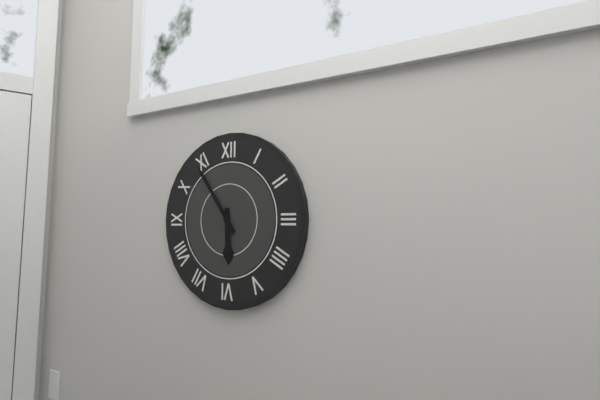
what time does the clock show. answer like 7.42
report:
5.54
